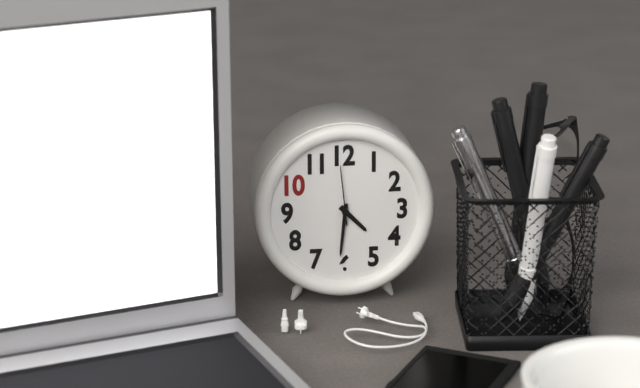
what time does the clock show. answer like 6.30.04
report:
4.31.59
